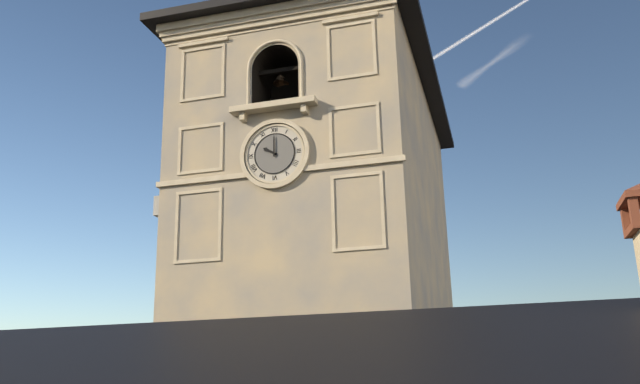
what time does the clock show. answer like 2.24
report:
10.00
